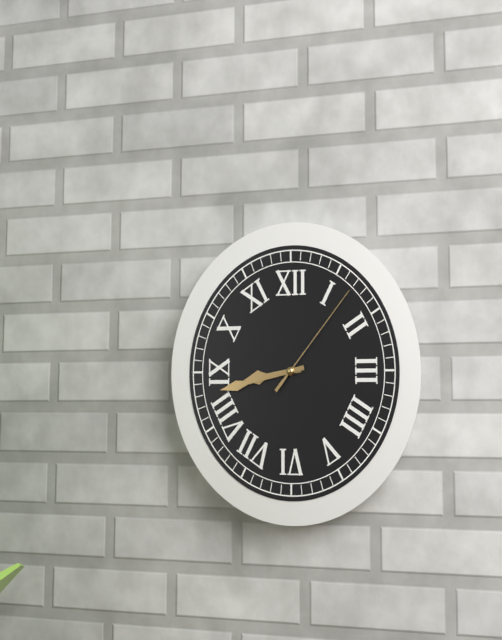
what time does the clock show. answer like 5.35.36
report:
8.43.07
